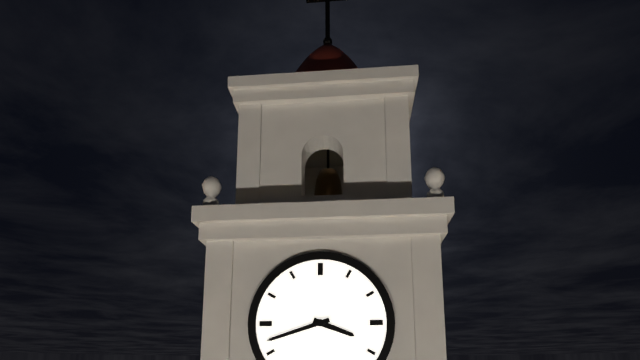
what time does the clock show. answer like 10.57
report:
3.42
